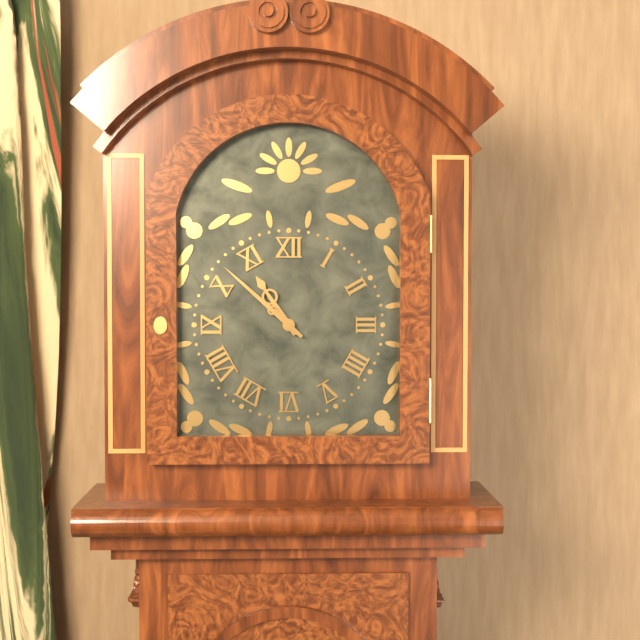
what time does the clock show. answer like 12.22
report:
10.52
